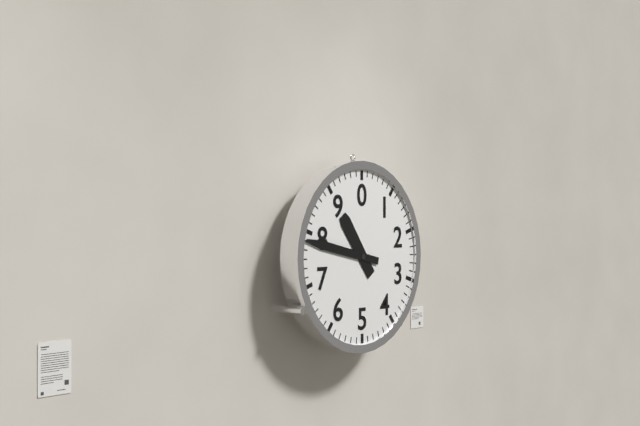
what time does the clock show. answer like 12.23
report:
10.47
